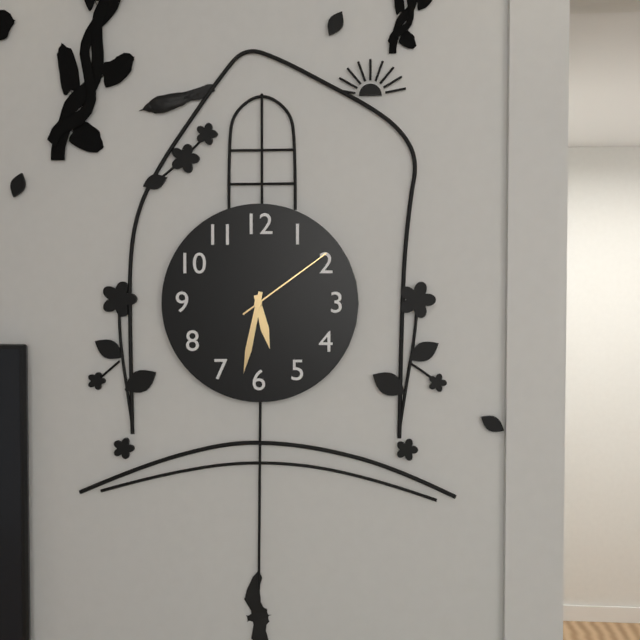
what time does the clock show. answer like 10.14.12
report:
5.32.09
